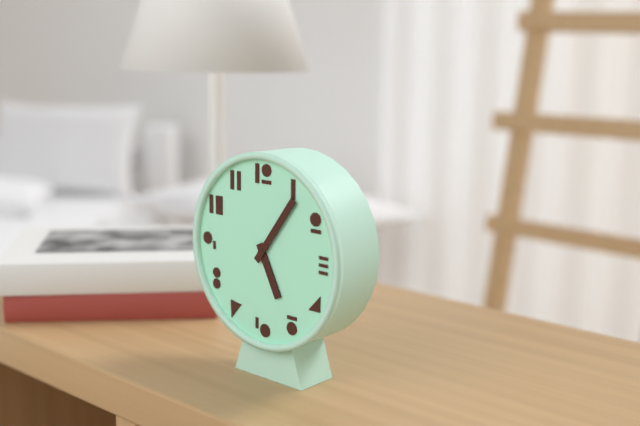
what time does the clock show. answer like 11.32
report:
5.06
